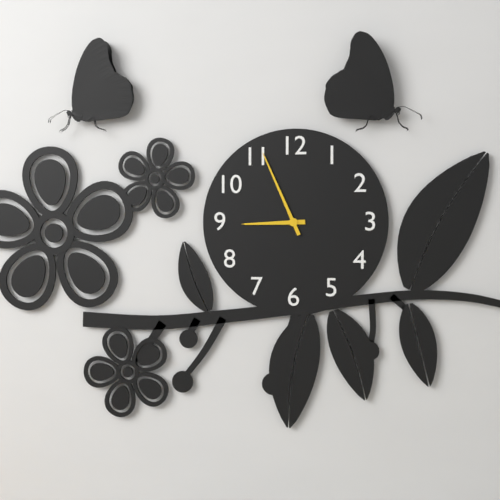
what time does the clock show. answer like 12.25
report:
8.56
